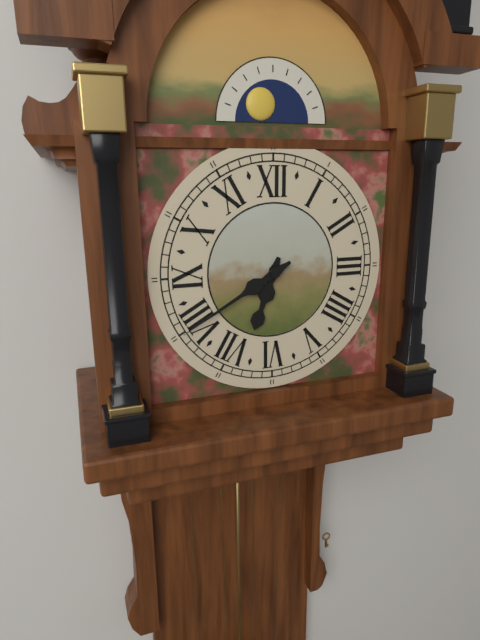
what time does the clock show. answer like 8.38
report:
6.40
